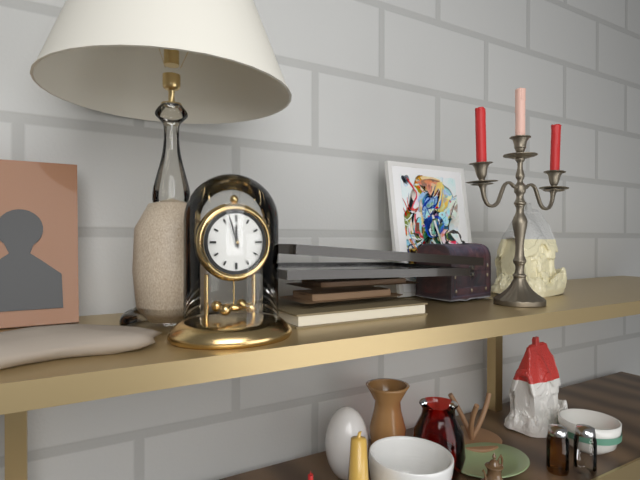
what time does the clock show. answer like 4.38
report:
11.57
